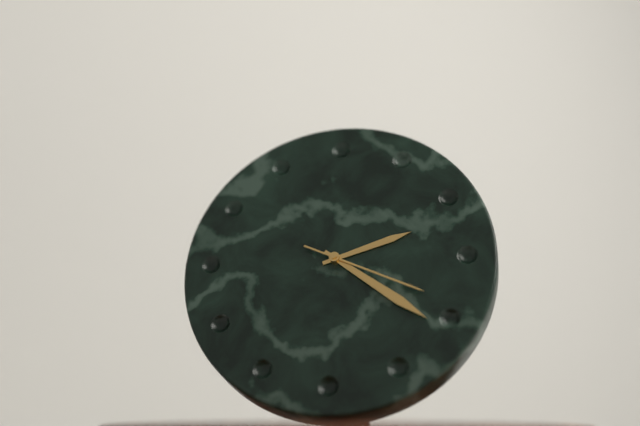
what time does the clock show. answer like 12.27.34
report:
2.21.19
